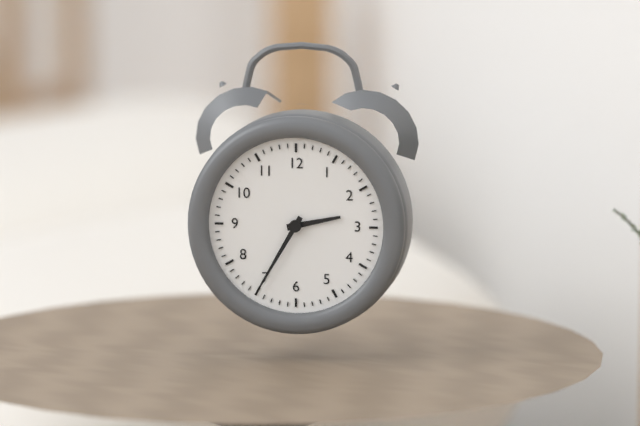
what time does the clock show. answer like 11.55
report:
2.35
